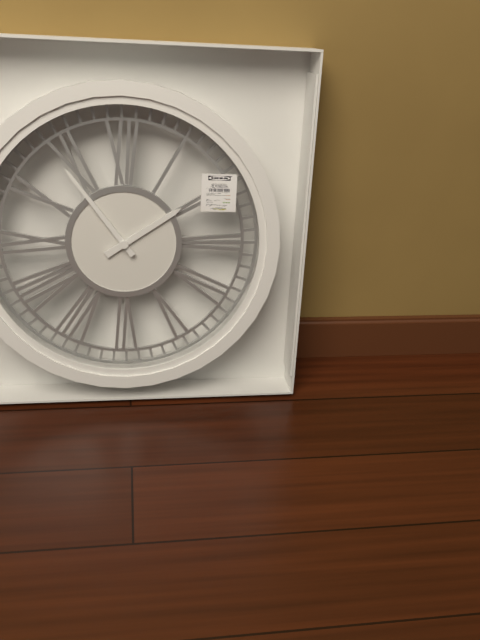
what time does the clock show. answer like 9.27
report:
1.54
